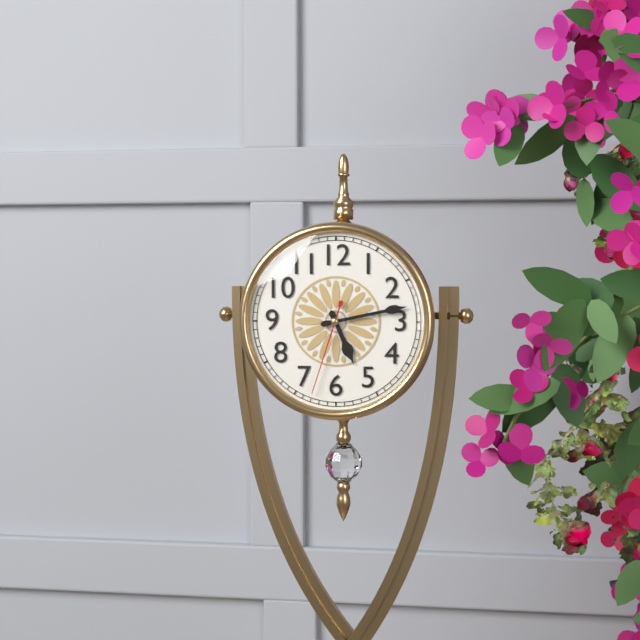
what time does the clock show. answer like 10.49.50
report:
5.13.33
